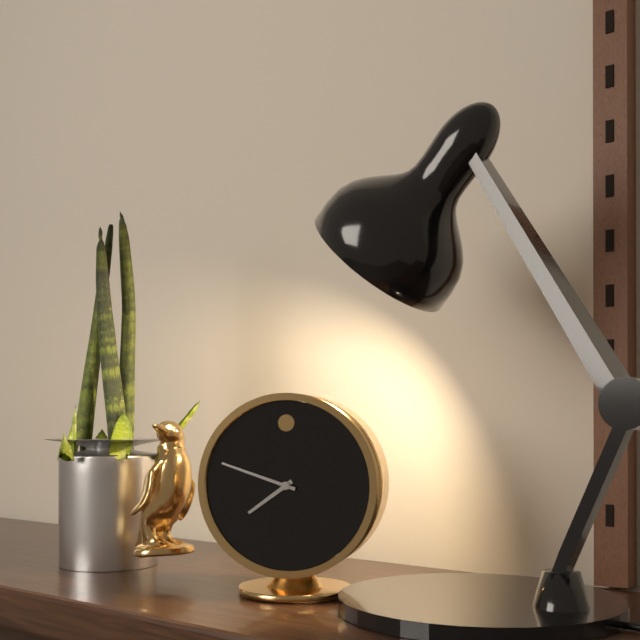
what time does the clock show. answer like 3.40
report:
7.48
